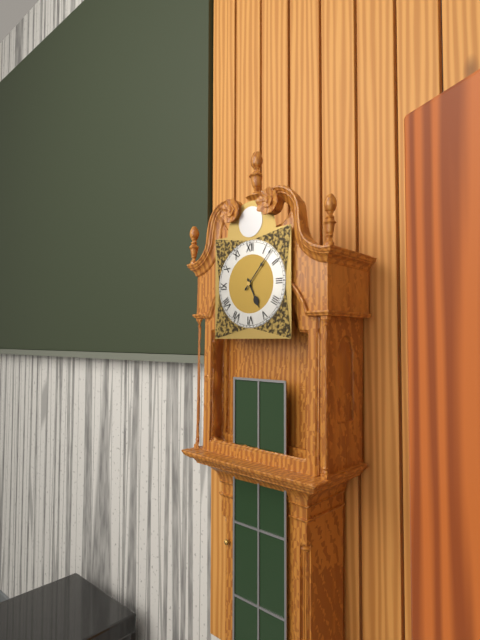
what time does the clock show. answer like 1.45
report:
5.07
